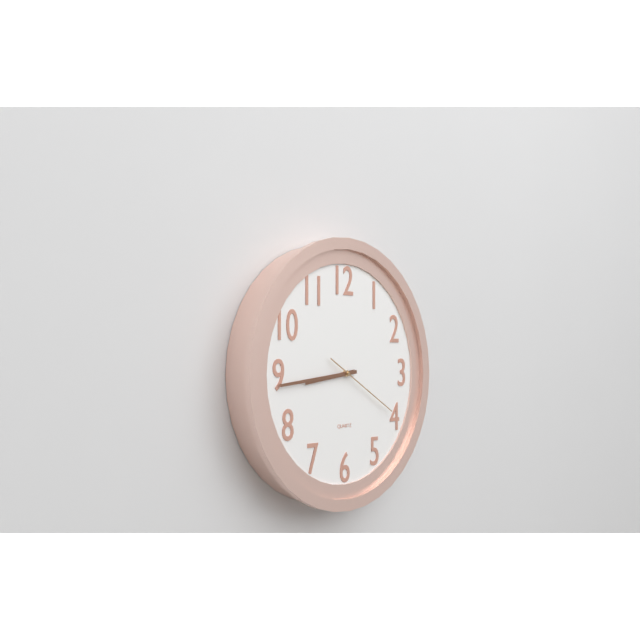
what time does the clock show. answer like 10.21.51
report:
8.44.20
